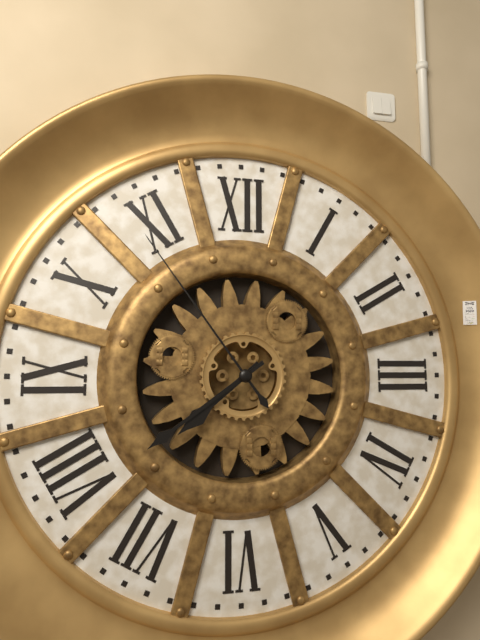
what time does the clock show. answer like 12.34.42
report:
7.39.54
